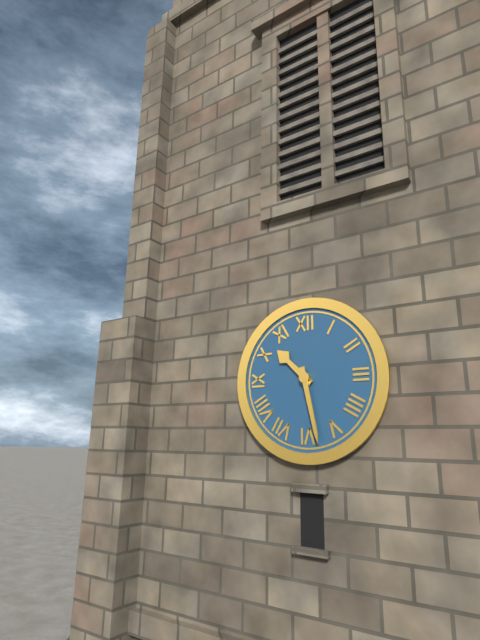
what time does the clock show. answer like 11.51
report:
10.28
